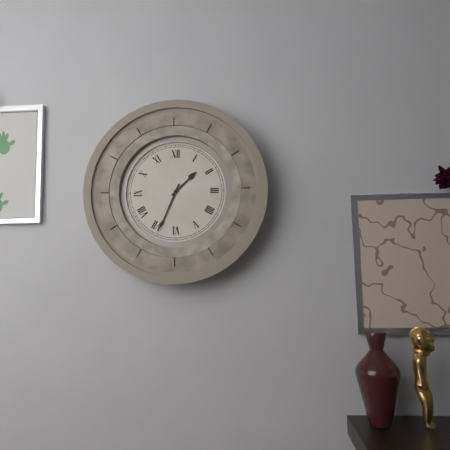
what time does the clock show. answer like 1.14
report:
1.34
